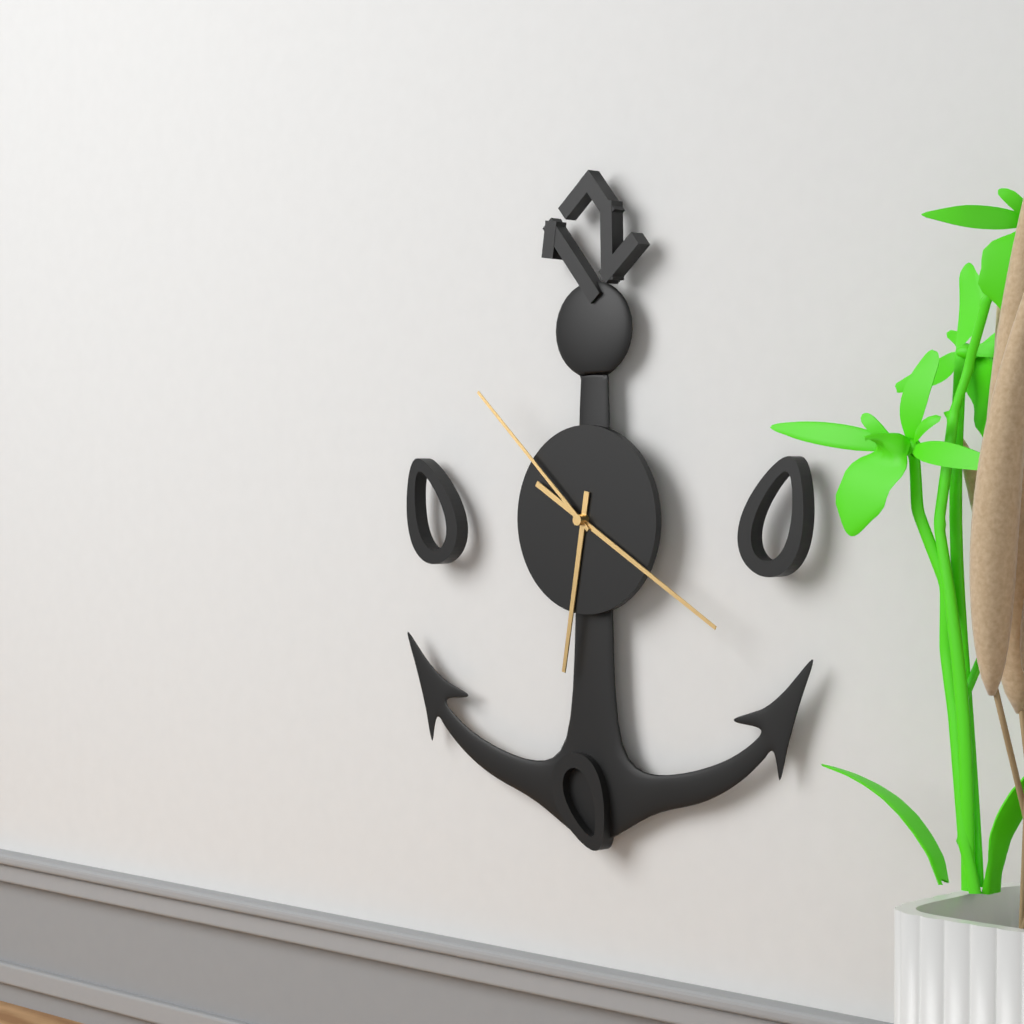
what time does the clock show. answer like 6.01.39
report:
6.20.52
